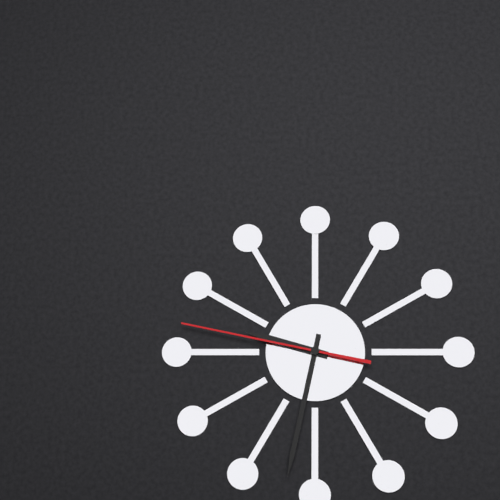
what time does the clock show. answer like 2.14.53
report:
9.32.47
